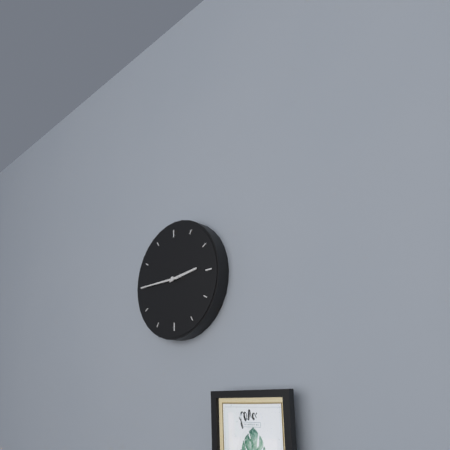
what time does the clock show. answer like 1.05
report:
2.45
